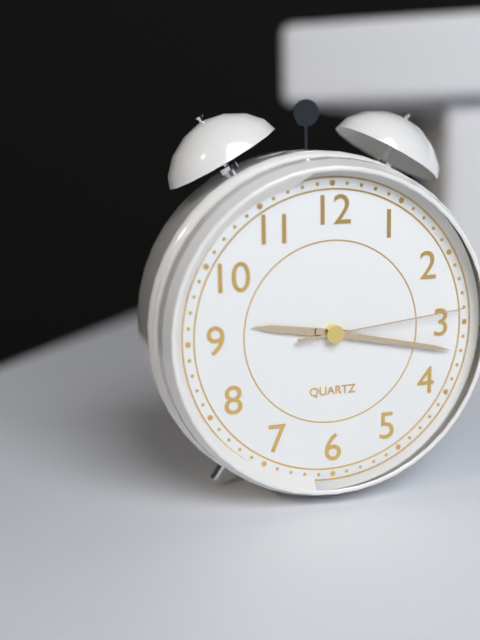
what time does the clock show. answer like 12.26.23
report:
9.17.14
